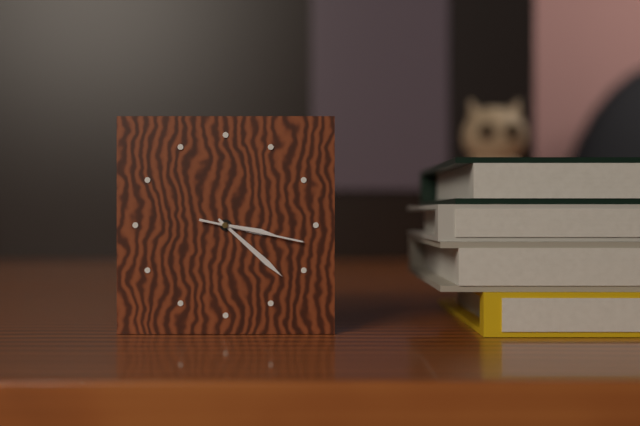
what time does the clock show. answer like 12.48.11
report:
3.22.17
